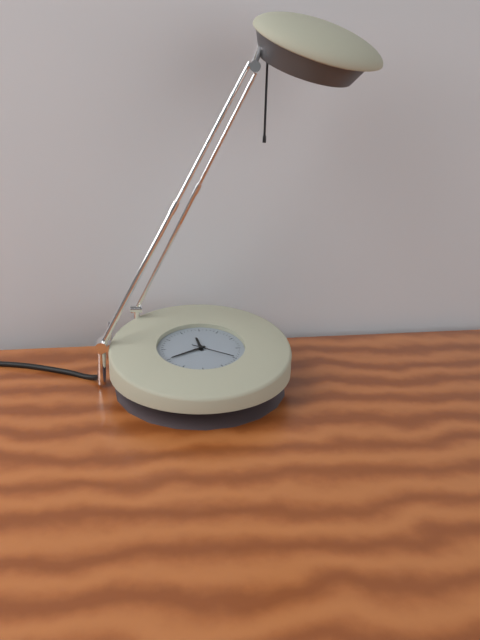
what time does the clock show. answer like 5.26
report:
11.40
